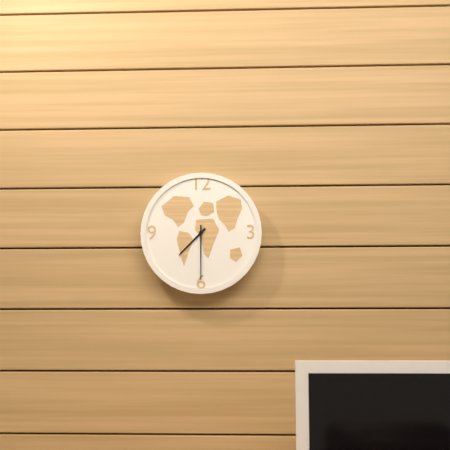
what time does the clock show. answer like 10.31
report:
7.30
